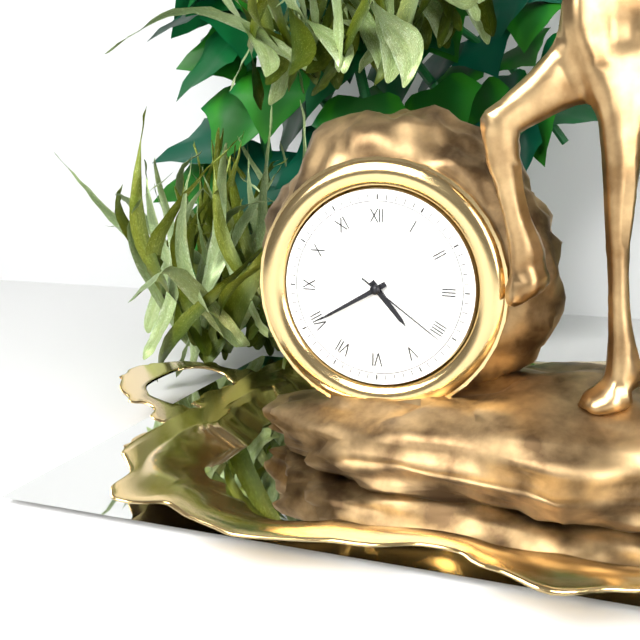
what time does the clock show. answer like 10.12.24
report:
4.40.21
